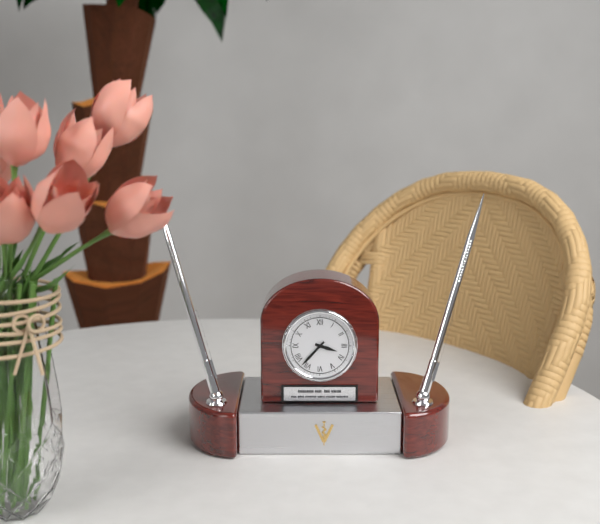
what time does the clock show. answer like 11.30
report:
3.37
